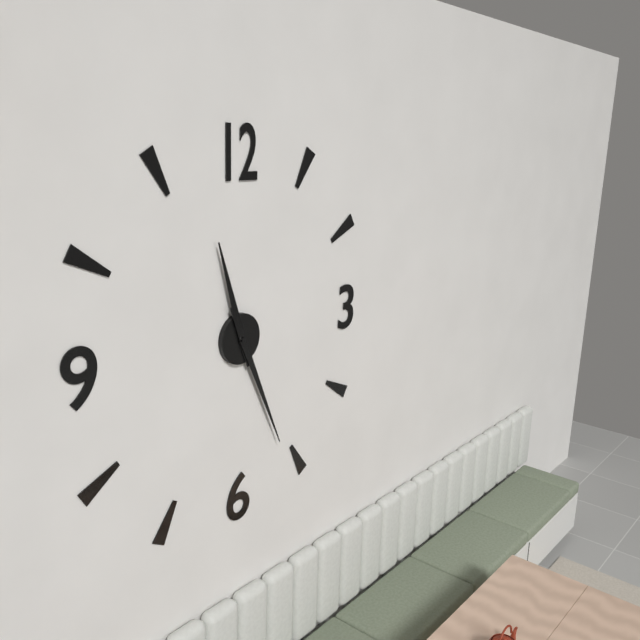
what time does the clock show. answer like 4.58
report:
11.26
